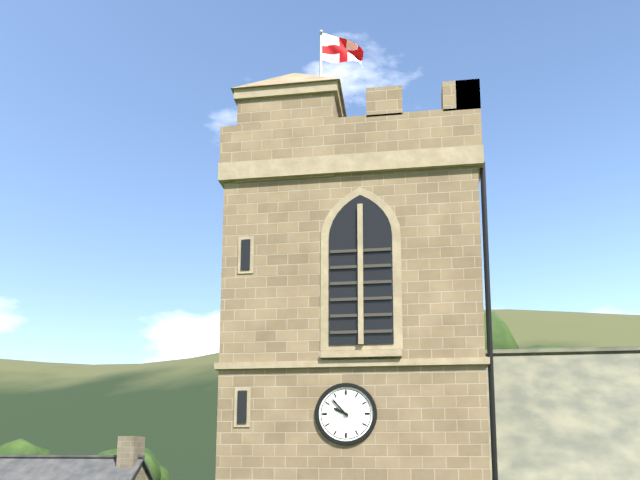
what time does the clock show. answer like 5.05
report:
9.53
